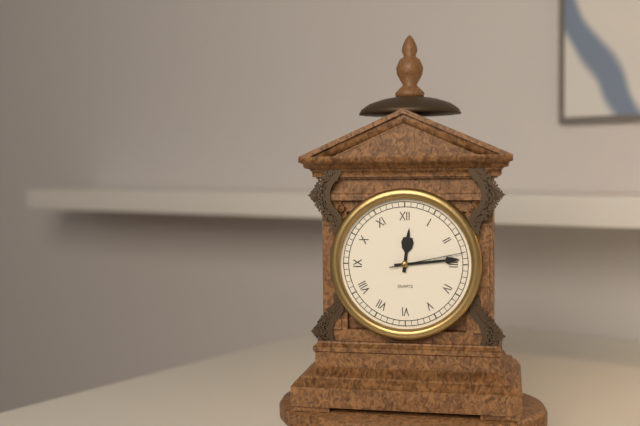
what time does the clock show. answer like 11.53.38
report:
12.14.13
